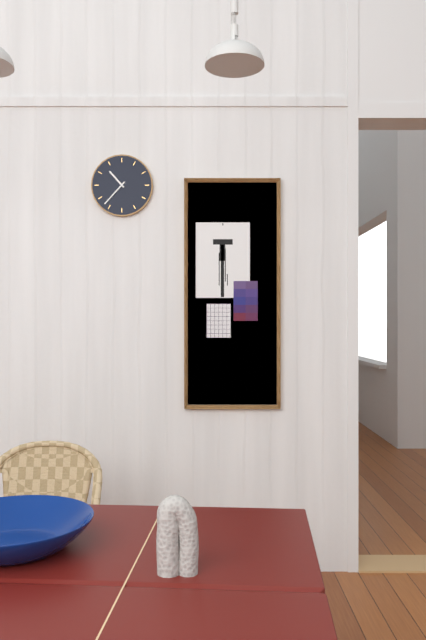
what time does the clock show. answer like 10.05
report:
10.37
